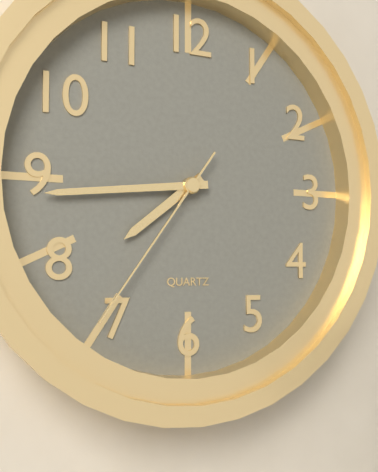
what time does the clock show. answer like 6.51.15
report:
7.44.36
